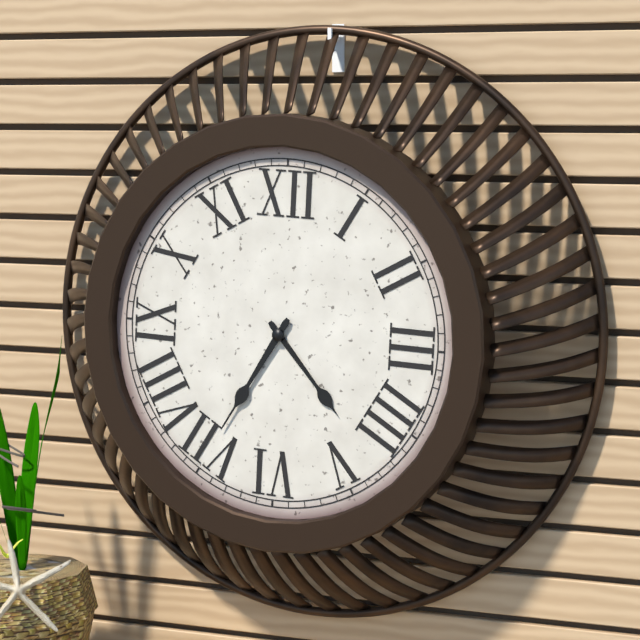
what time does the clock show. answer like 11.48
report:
4.35
